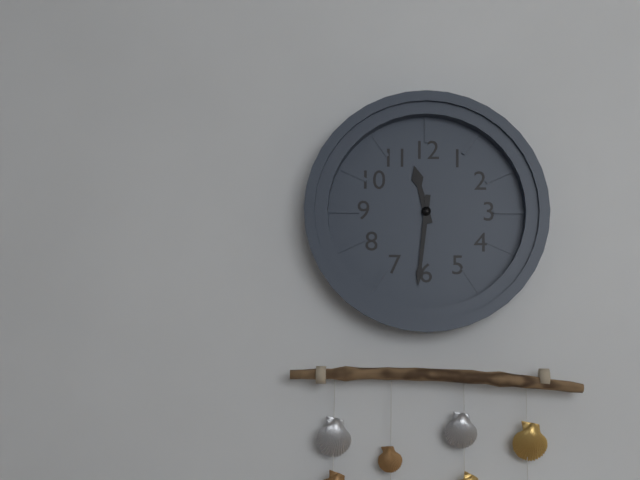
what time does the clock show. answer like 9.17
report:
11.31
